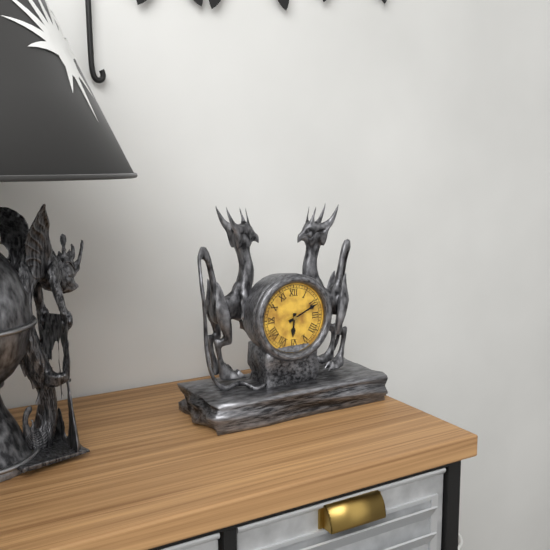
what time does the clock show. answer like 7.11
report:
6.11
